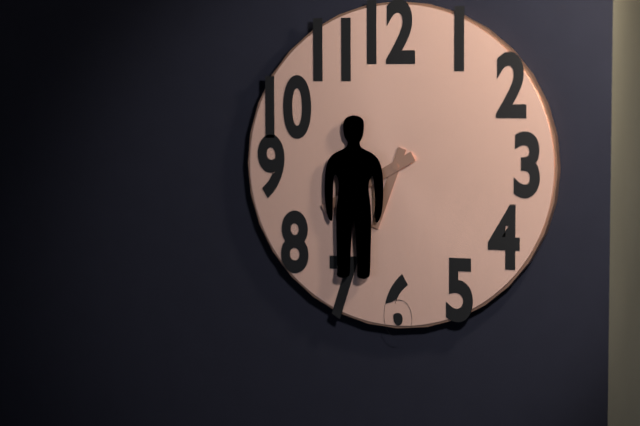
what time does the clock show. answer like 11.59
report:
6.40
